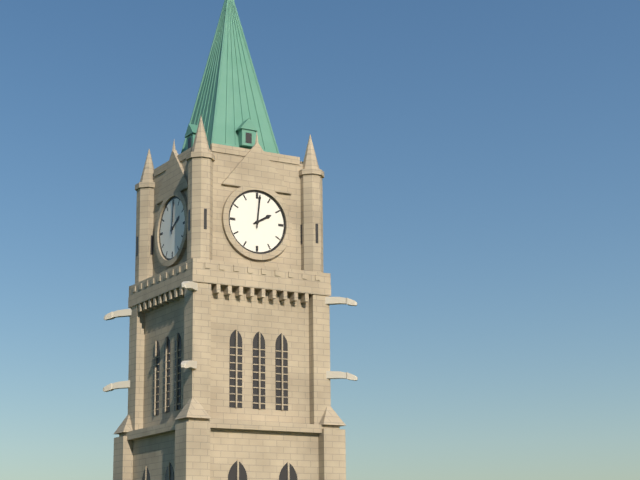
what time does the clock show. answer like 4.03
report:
2.01
